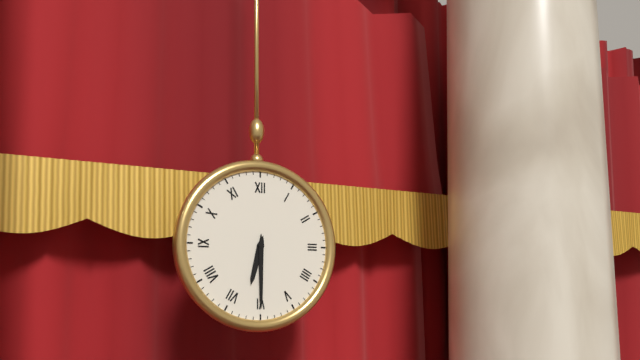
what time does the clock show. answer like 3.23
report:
6.30
